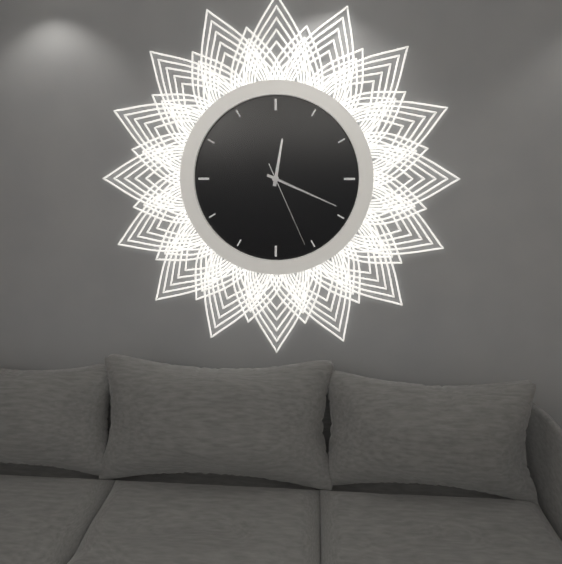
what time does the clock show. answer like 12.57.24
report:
12.19.26
